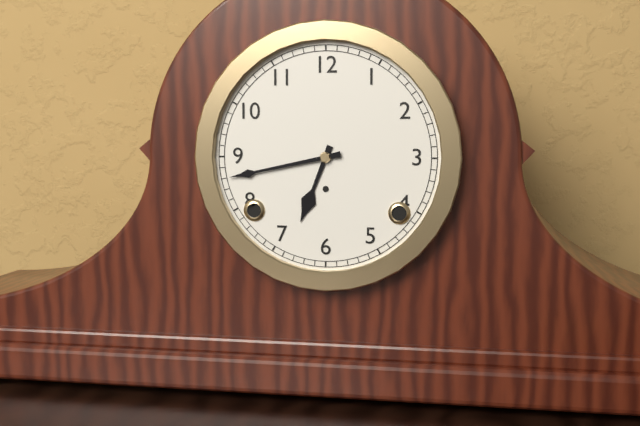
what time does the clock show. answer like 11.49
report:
6.43
